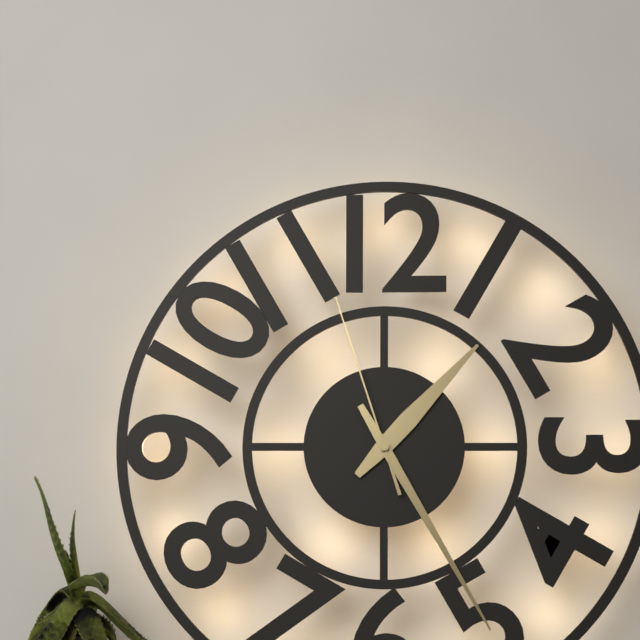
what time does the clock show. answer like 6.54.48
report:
1.25.57
